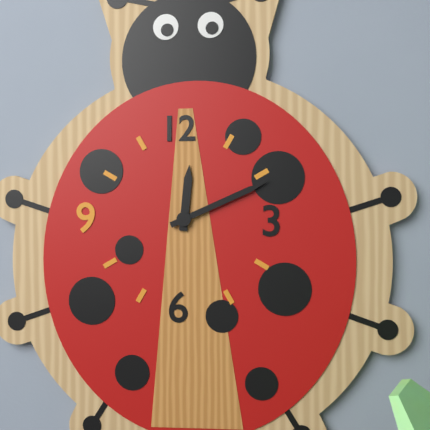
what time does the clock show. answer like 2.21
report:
12.11
